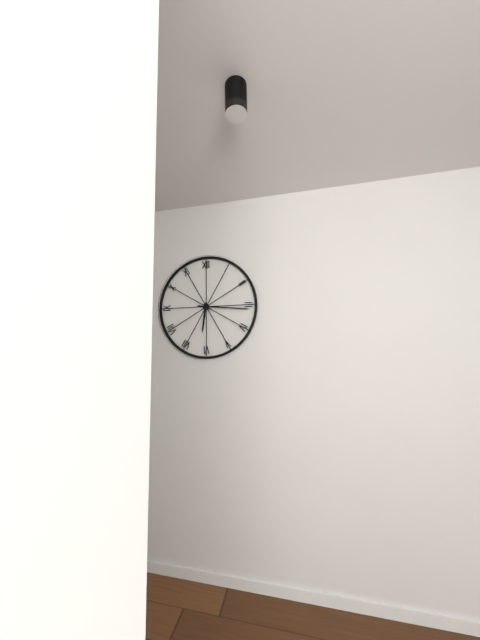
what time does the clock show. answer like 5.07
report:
6.16
